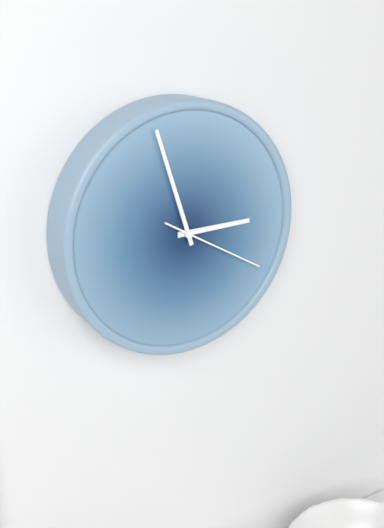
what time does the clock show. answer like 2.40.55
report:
2.57.20
